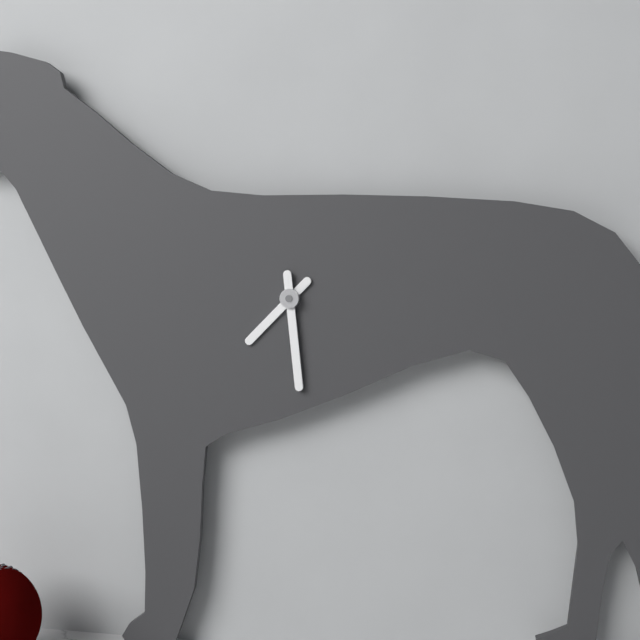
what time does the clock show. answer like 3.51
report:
7.29
